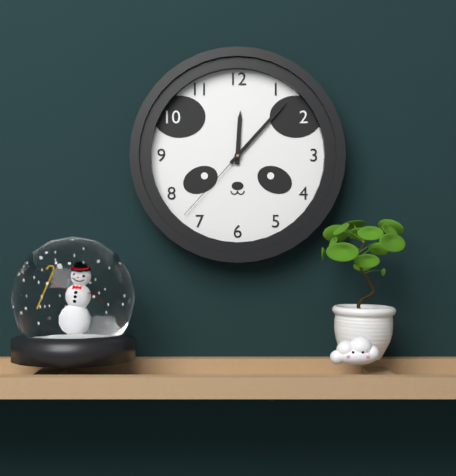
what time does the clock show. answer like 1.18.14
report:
12.07.37
